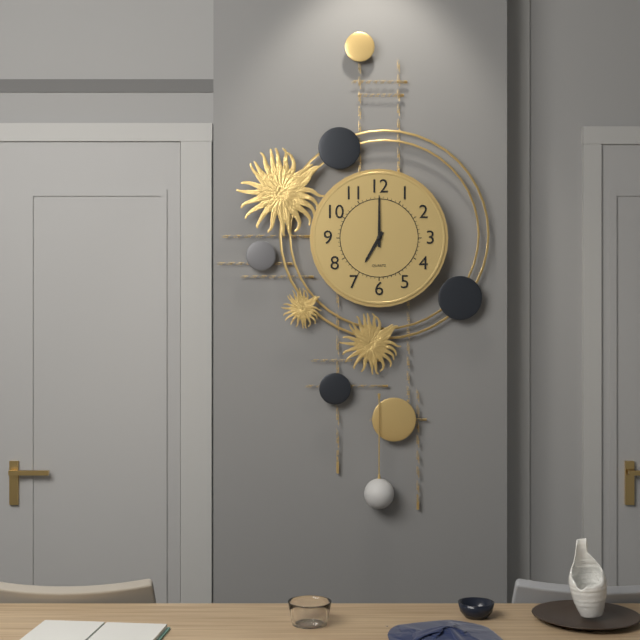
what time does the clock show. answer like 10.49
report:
7.00
